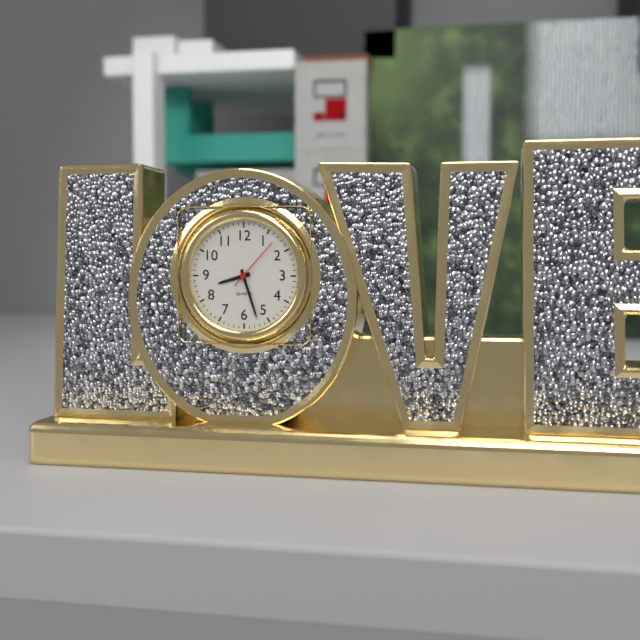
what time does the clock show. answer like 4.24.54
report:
8.27.07
